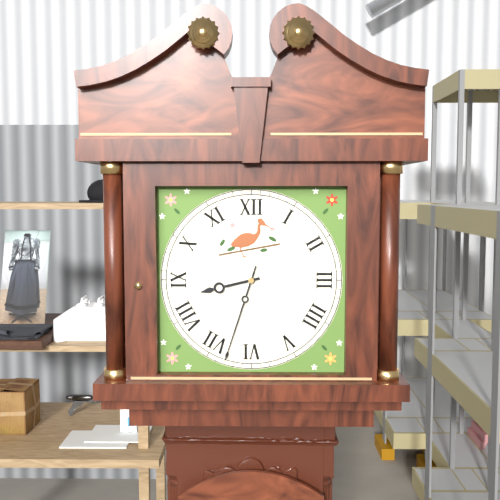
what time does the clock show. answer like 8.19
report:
8.33
